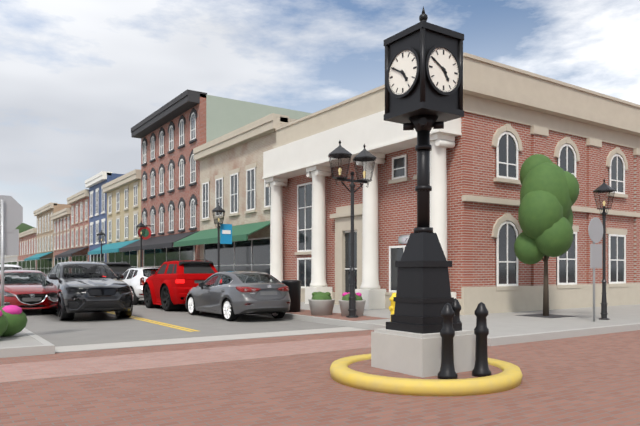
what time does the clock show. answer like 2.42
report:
4.50
